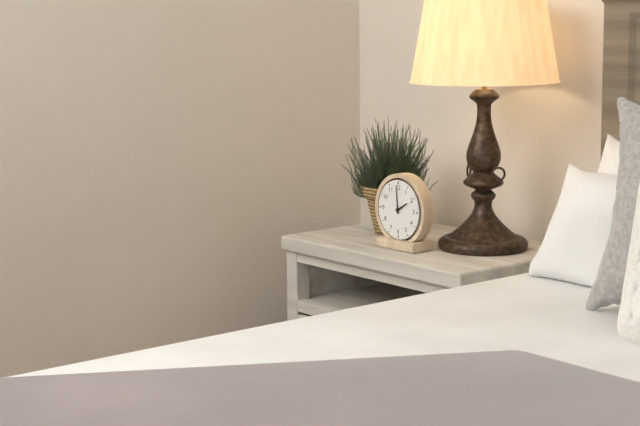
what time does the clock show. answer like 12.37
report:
1.59
